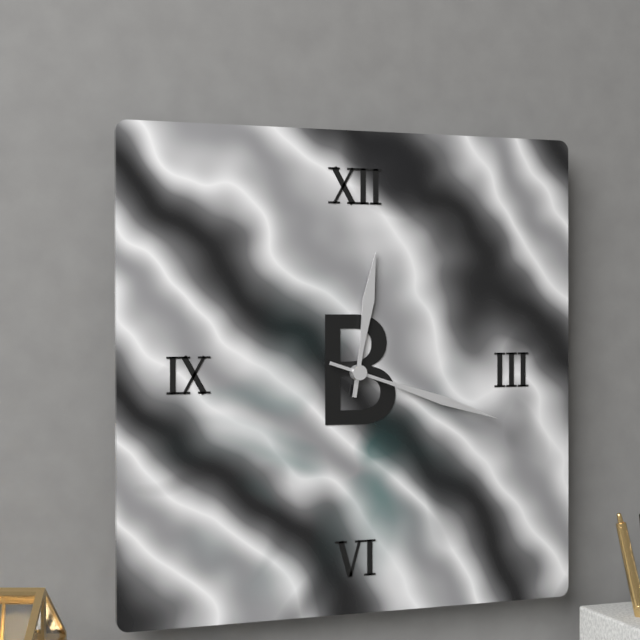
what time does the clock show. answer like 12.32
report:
12.18
